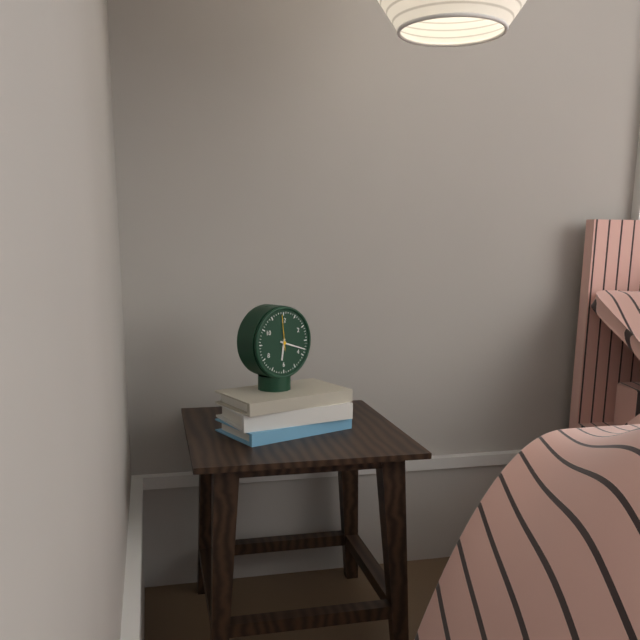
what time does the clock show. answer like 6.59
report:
6.18
